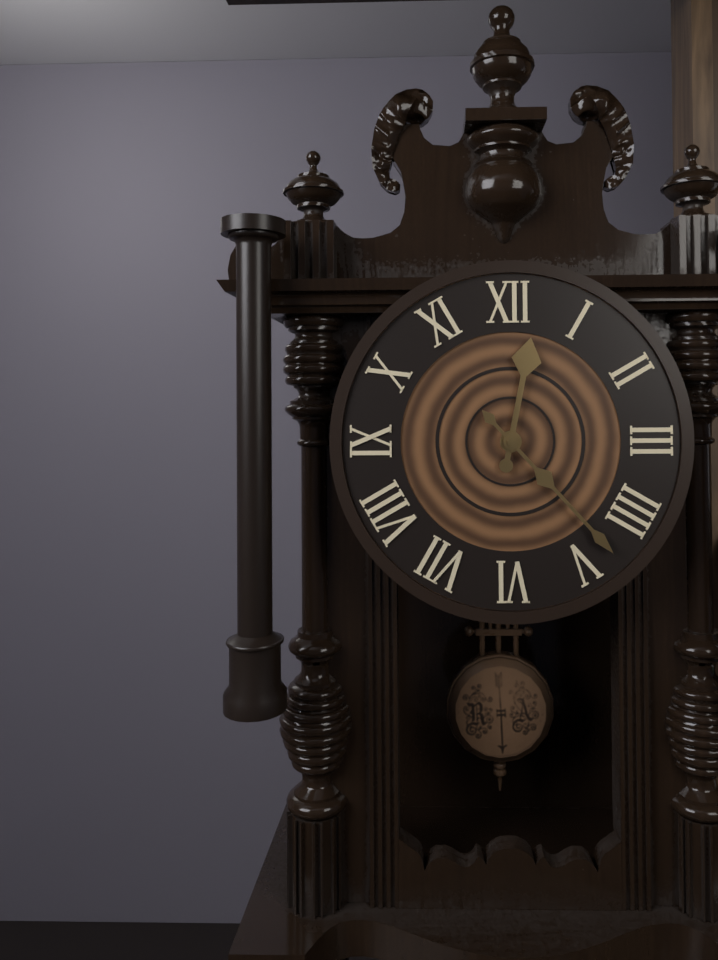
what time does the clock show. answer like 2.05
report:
12.23
